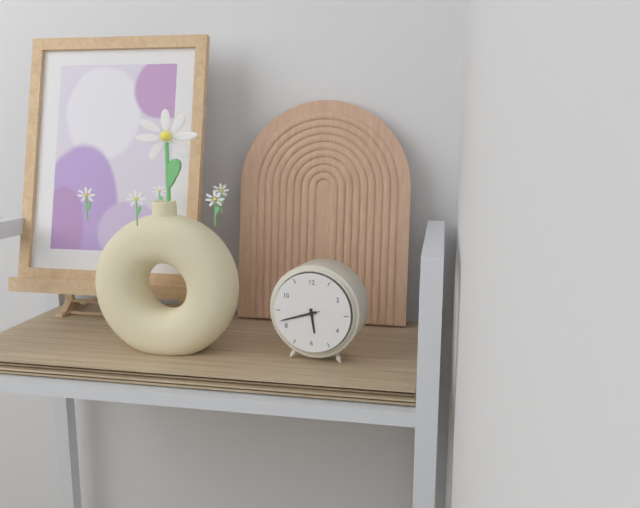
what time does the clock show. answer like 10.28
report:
5.42
